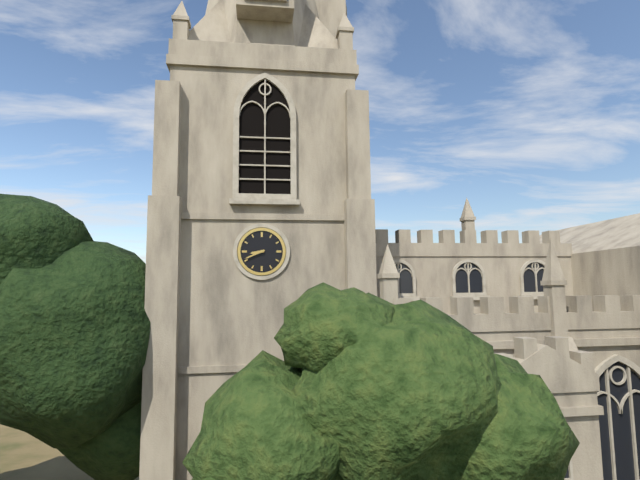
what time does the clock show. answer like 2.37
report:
8.41
